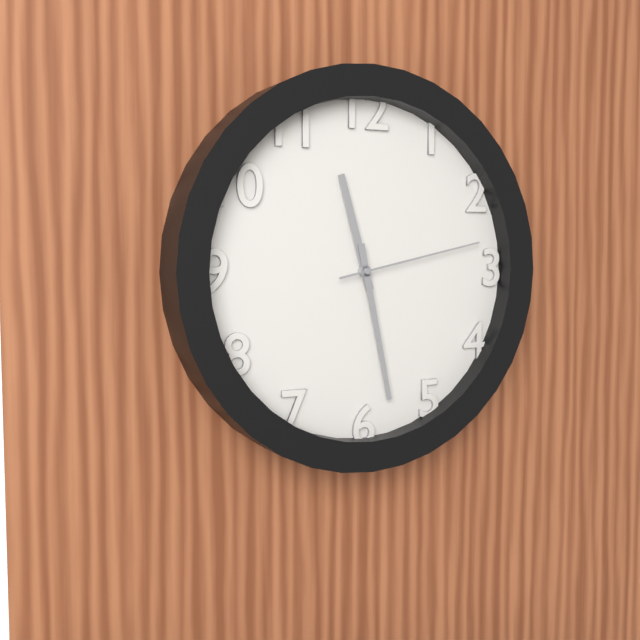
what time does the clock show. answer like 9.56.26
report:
11.28.13
